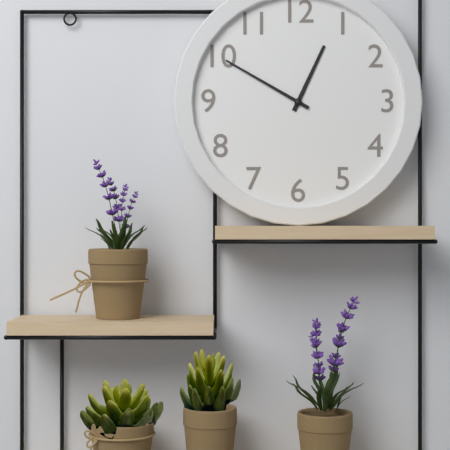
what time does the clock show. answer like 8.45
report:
12.50
